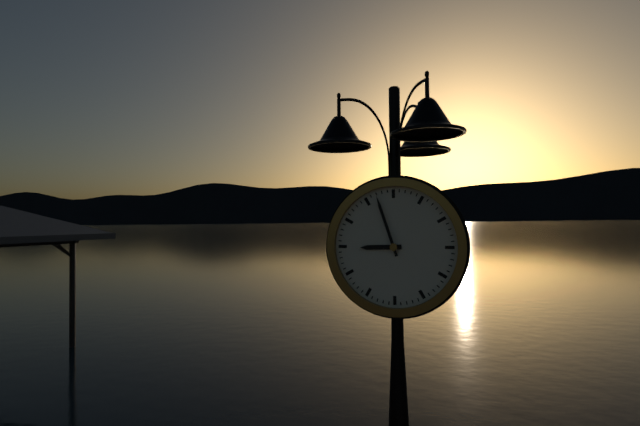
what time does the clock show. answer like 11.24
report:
8.57
